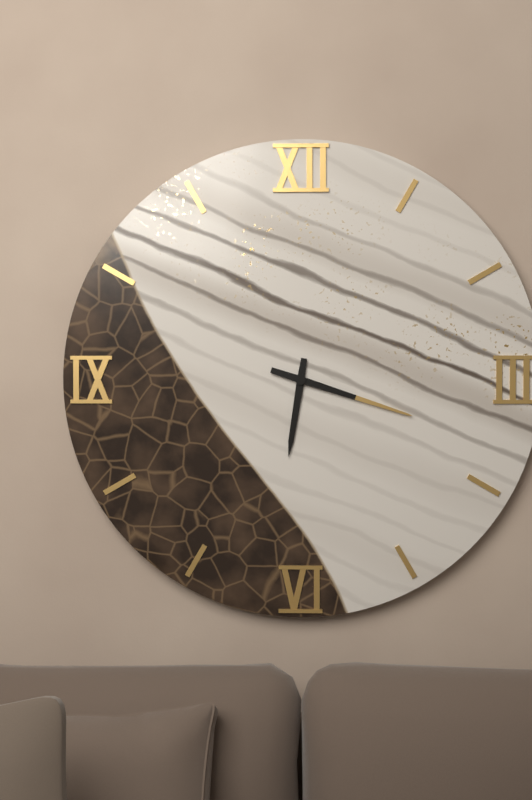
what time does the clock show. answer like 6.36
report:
6.18
